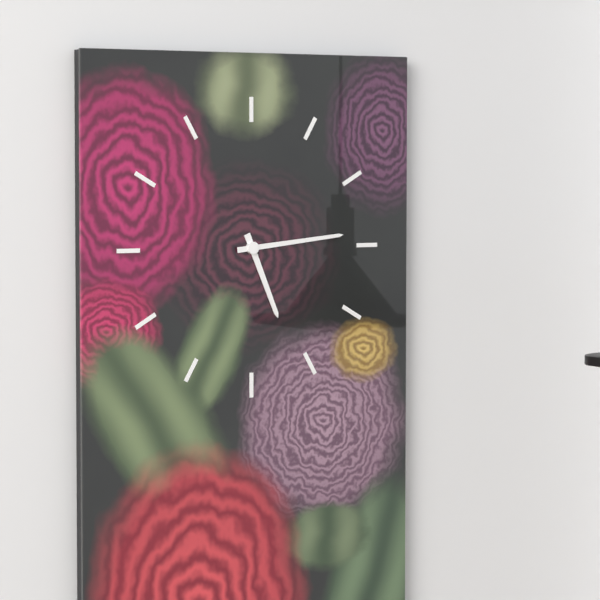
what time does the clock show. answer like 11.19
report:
5.14
